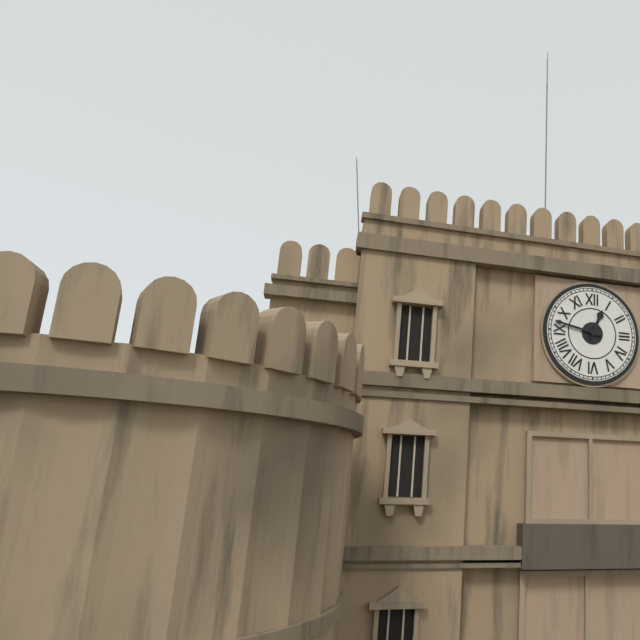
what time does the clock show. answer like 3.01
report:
12.47
